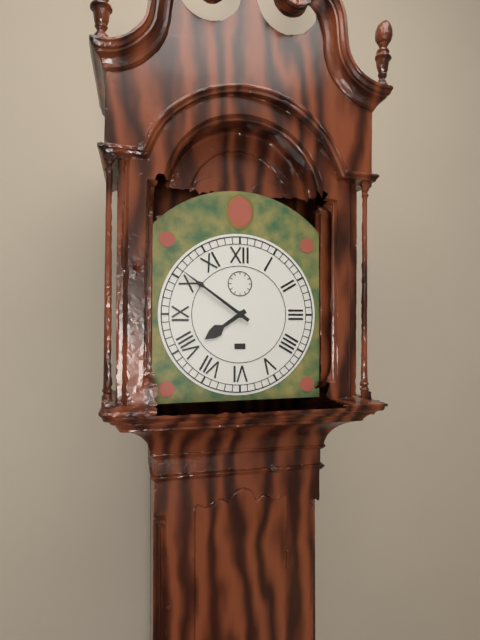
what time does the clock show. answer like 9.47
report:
7.51
